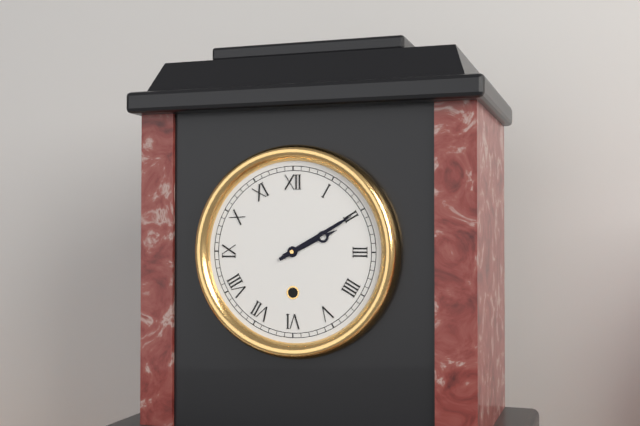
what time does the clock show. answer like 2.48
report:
2.10
